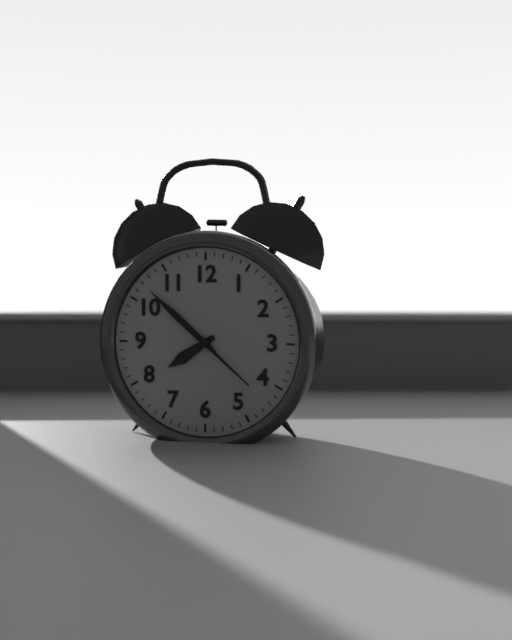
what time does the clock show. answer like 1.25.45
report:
7.52.22
